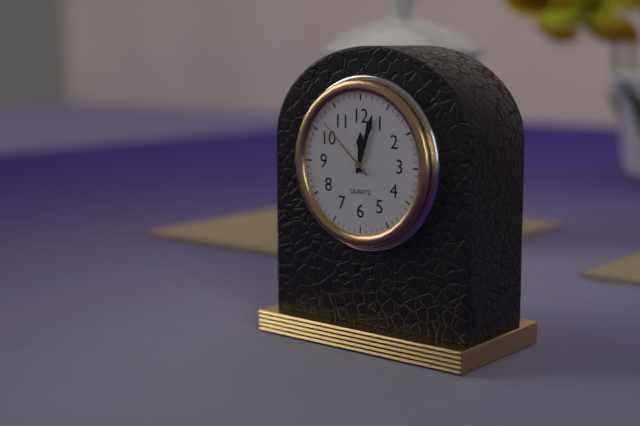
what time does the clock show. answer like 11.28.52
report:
12.03.52
